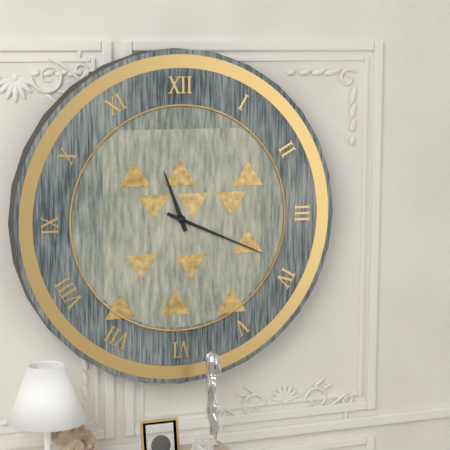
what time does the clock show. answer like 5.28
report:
11.19
